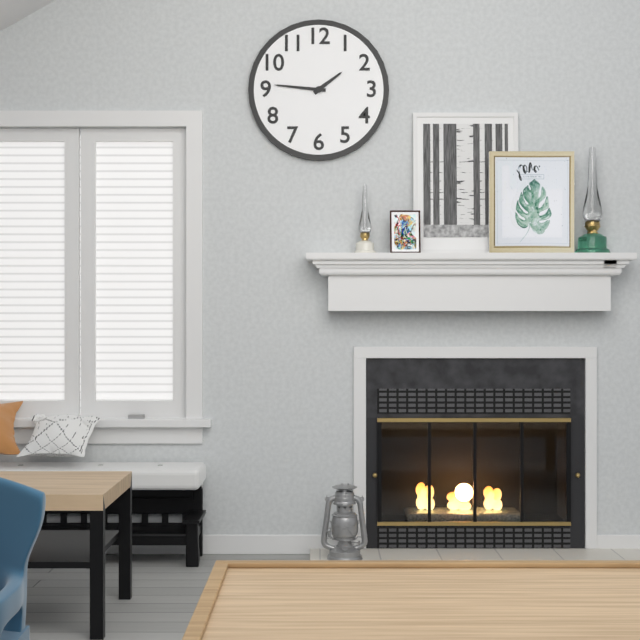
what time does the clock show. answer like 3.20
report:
1.46
